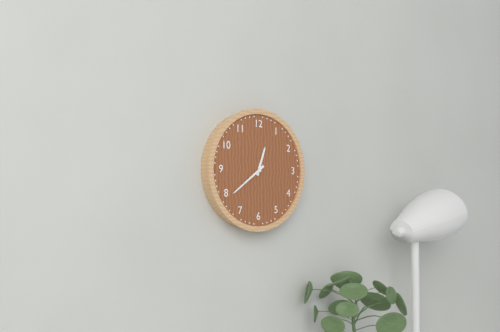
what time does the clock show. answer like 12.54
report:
12.39
